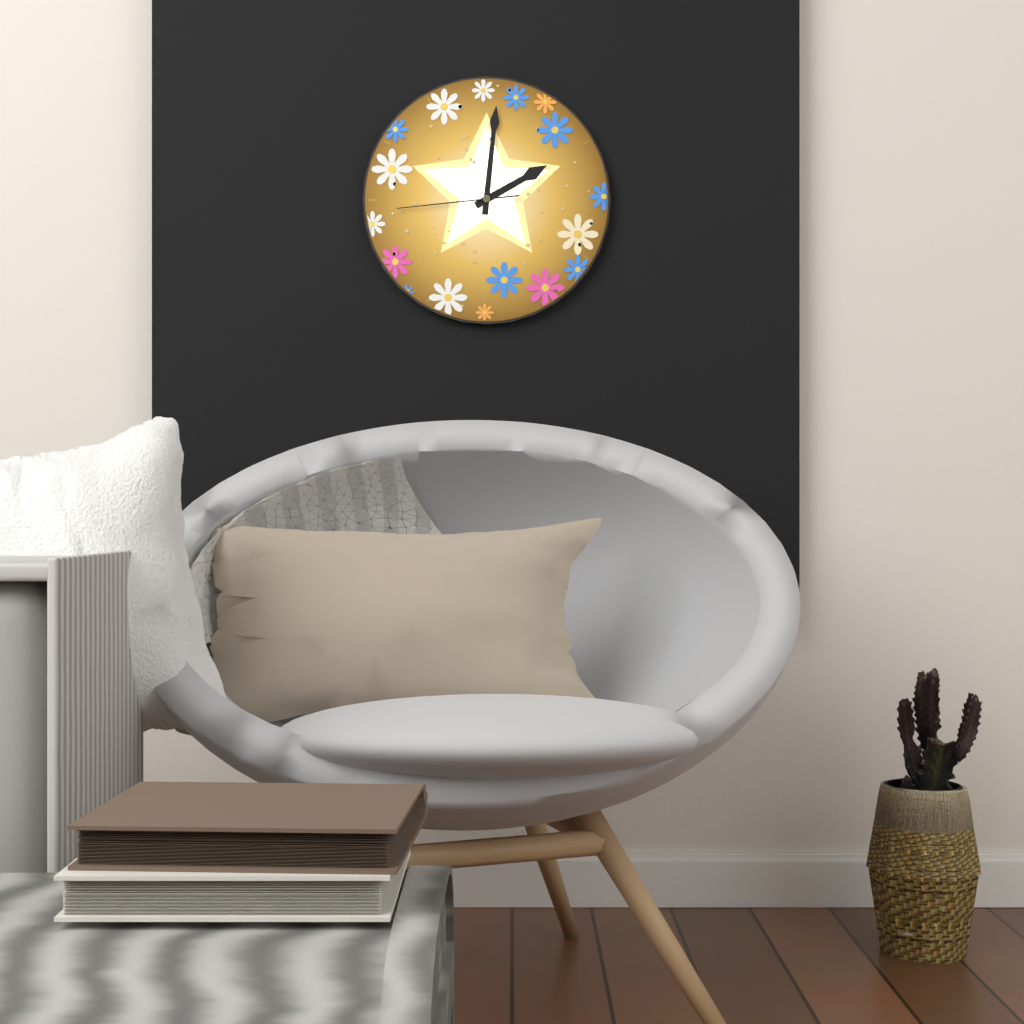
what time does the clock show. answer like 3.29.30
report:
2.01.44
